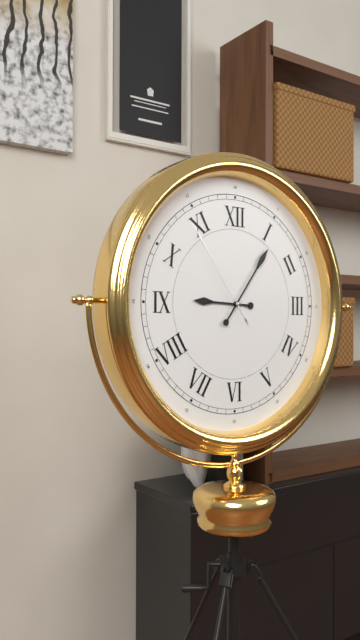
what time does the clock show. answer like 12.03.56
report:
9.06.54
